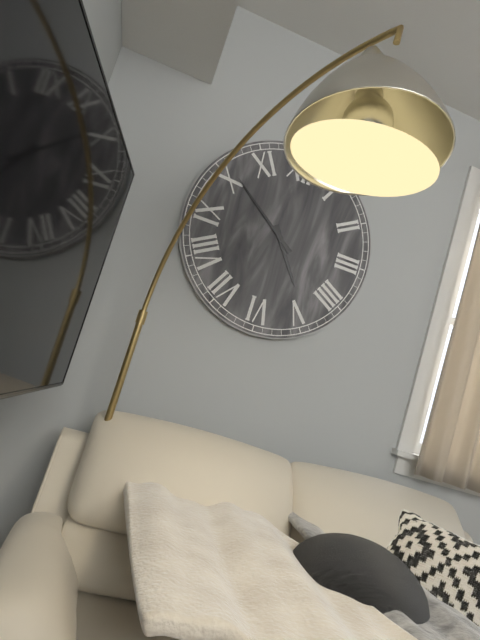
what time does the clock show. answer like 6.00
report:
4.51
